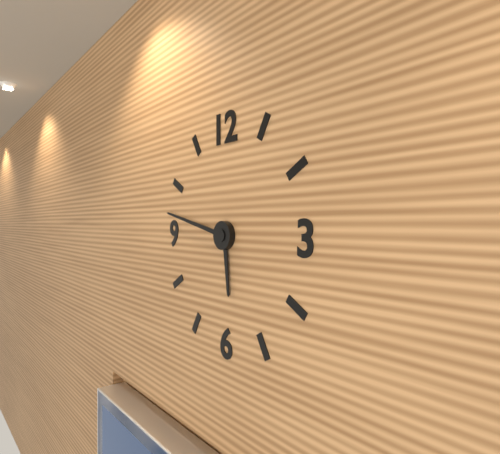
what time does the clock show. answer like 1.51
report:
5.47
